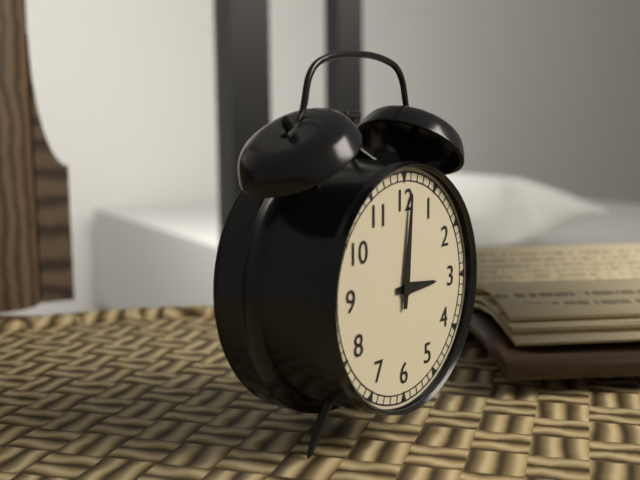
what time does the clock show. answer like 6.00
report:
3.01
